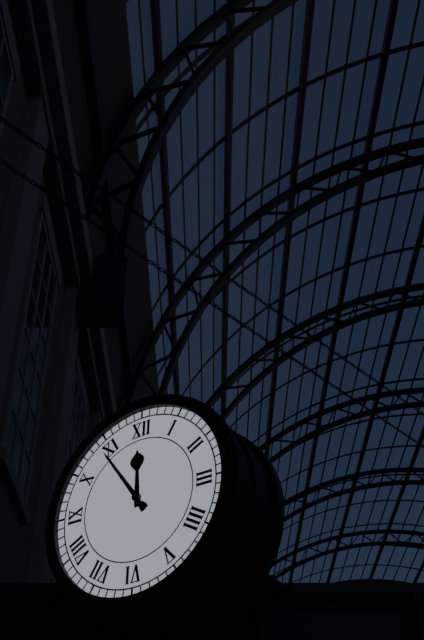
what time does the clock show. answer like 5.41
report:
11.54
